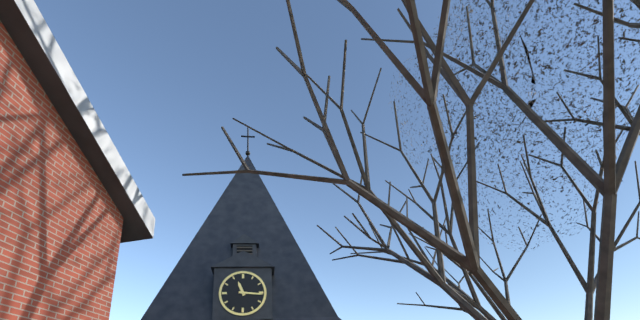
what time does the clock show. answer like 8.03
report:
11.16
